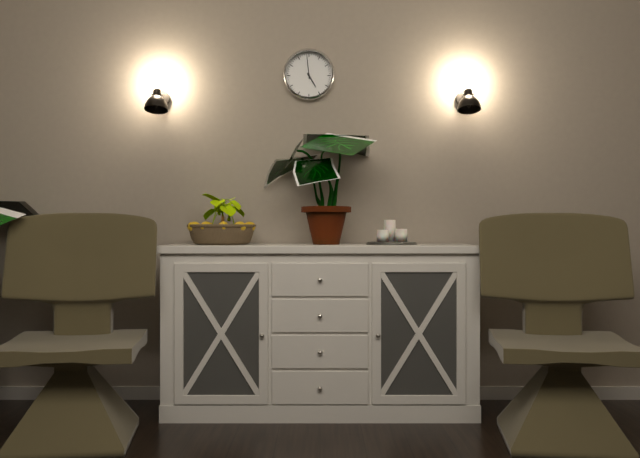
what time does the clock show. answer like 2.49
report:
4.59
